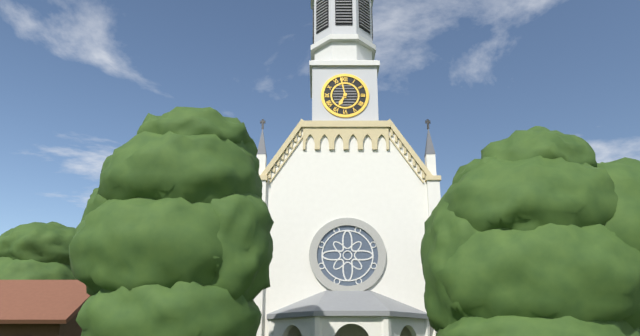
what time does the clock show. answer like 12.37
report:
6.58
